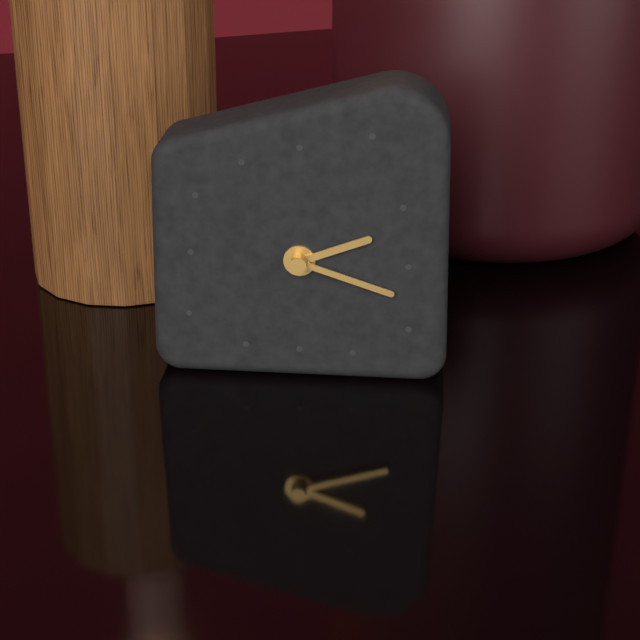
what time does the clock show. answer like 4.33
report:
2.18
